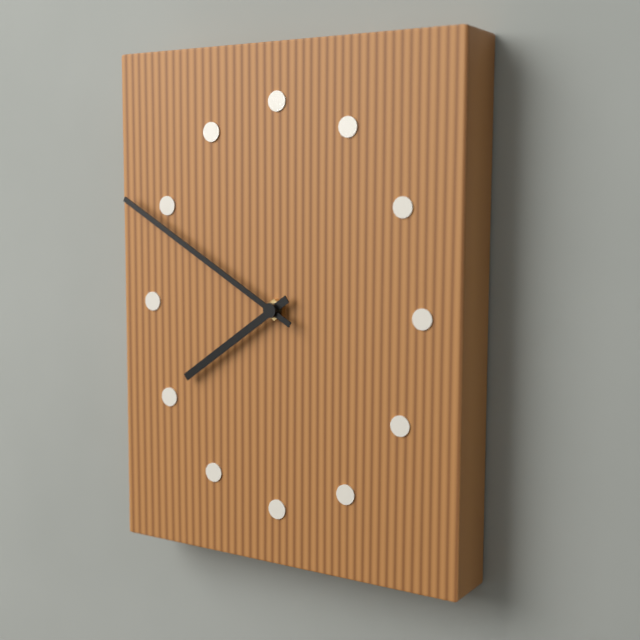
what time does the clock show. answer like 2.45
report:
7.50
